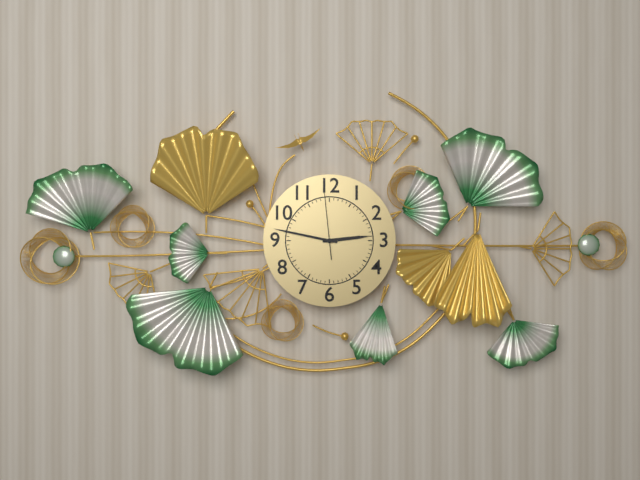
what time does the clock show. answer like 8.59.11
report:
2.47.59
